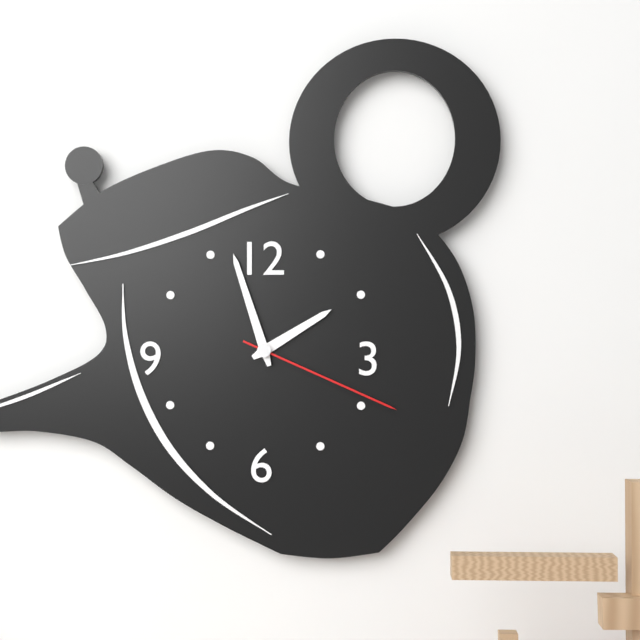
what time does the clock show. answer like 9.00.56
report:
1.57.19
